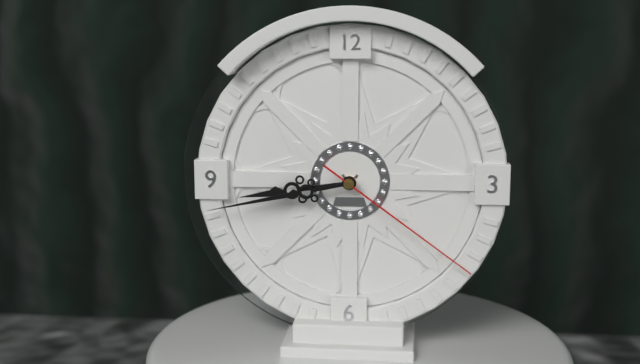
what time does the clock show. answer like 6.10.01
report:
8.43.21
